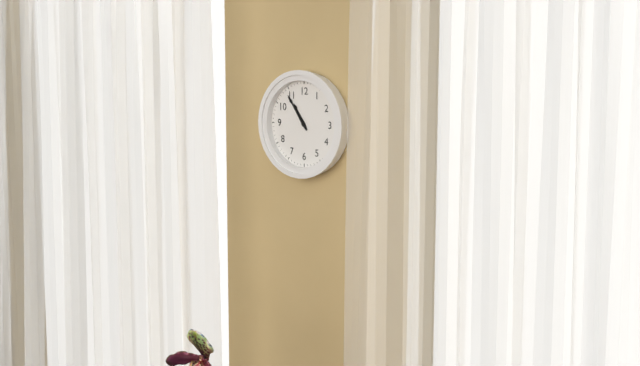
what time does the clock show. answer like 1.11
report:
10.54
